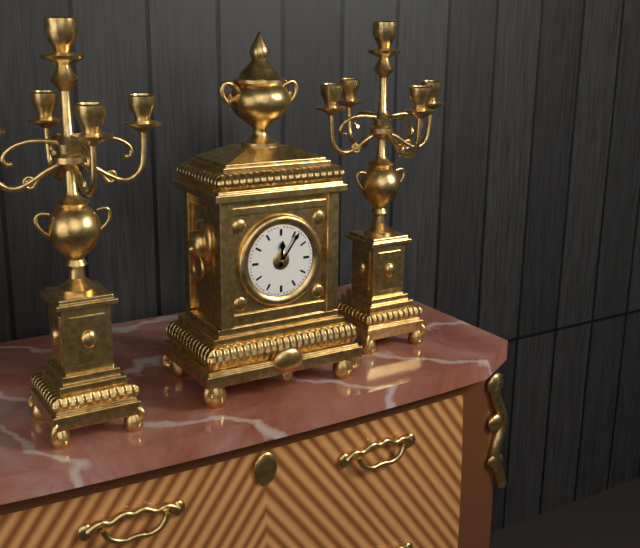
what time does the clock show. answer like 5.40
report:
12.06
